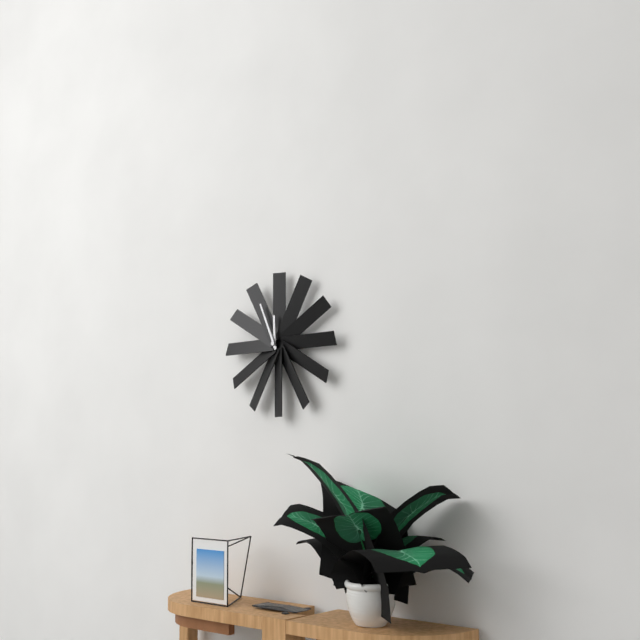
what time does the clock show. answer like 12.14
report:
11.56
